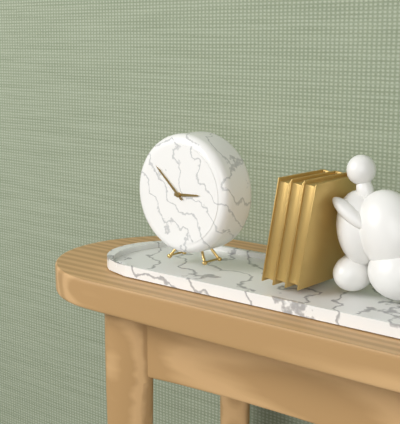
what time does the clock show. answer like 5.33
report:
2.52
